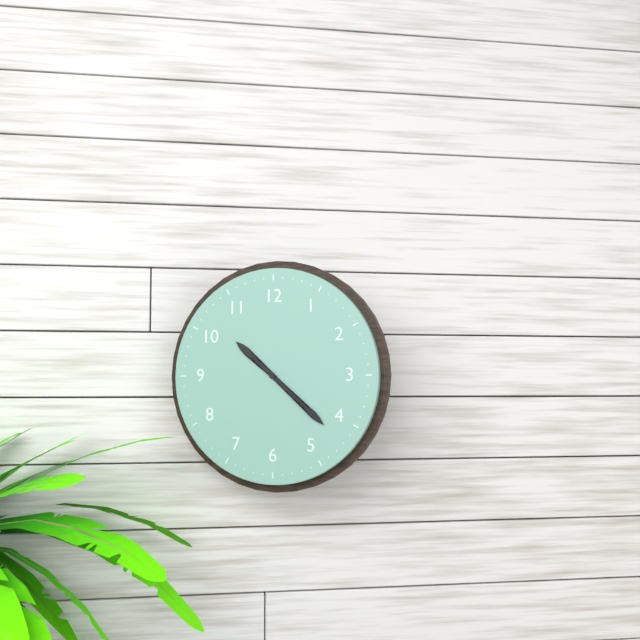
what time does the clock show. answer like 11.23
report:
10.22
